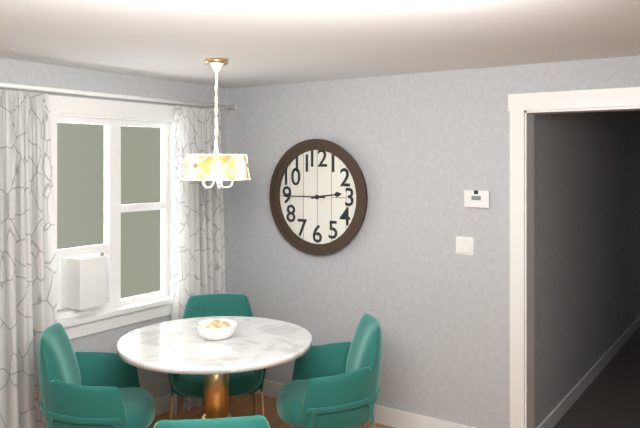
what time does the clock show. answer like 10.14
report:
2.45
